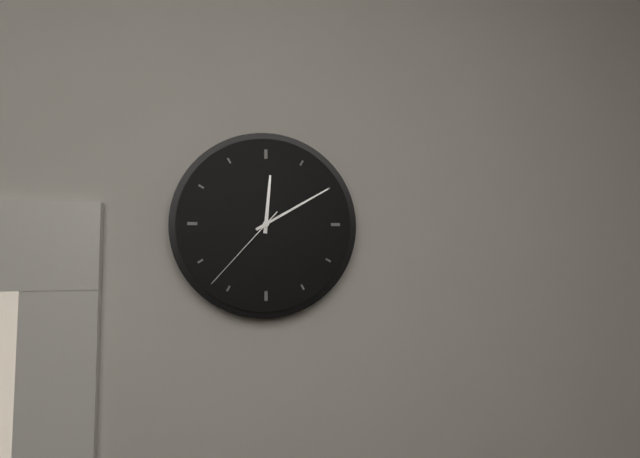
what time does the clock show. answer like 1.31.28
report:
12.10.37
